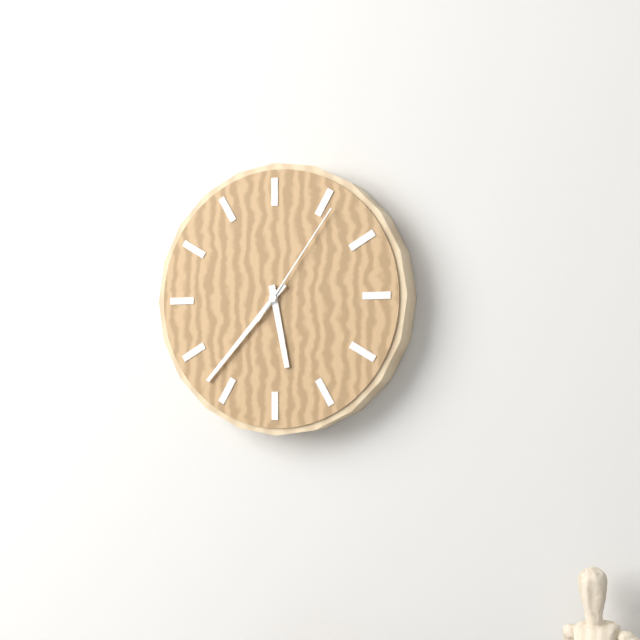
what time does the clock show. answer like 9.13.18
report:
5.37.06
